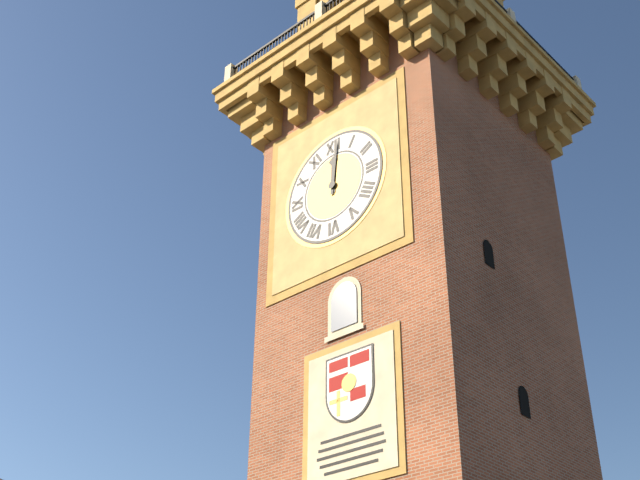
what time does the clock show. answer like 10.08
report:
12.01
